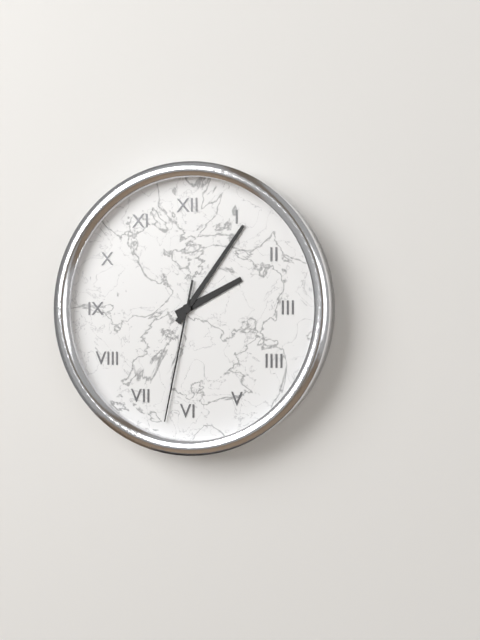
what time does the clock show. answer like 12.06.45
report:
2.06.32
